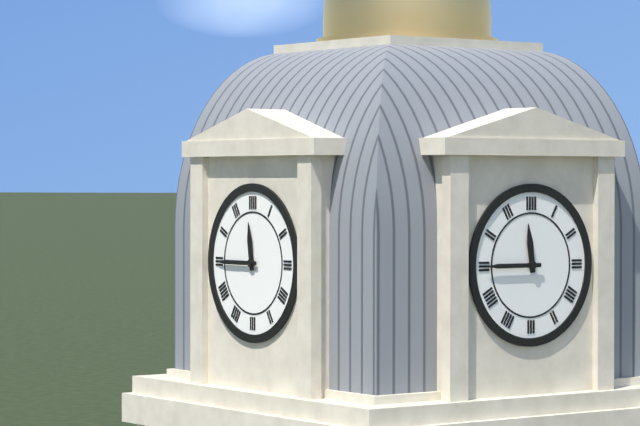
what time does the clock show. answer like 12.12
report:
11.45
